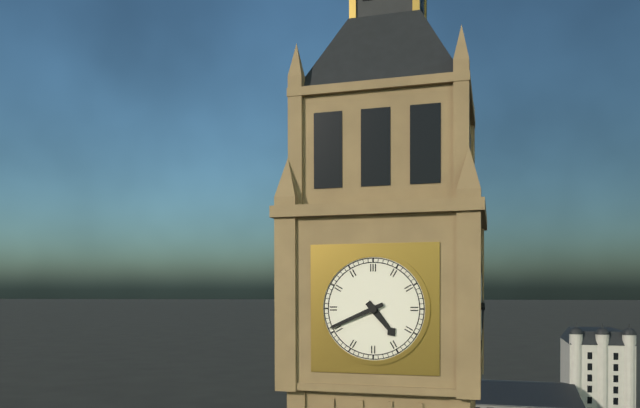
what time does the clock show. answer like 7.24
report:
4.41
